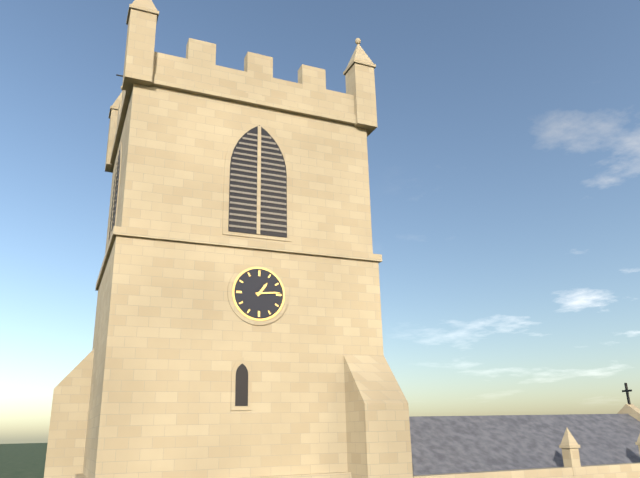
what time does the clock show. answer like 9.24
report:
1.14
